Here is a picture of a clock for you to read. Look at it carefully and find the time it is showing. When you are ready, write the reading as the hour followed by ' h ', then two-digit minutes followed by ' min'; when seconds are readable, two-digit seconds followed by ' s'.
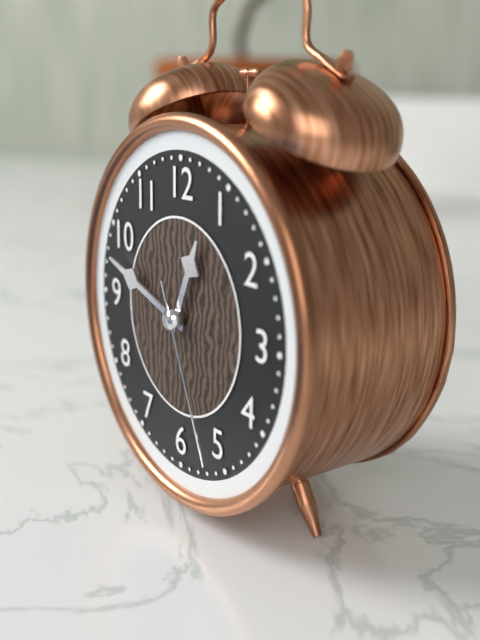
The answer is 12 h 48 min 26 s
